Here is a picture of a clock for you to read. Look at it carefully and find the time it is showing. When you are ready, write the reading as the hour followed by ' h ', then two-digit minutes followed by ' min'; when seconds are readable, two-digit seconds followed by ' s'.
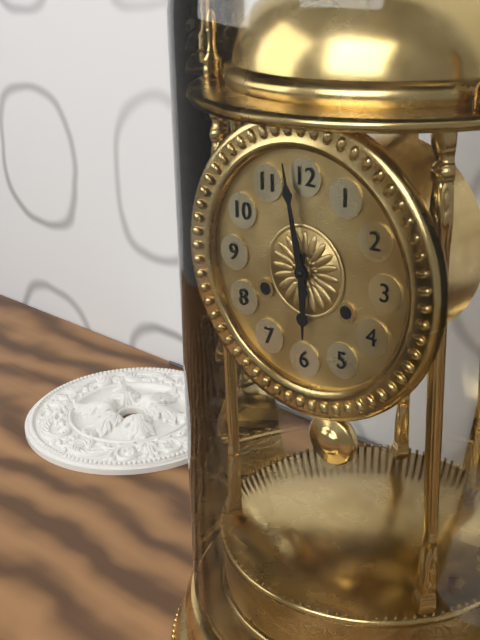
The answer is 5 h 58 min
